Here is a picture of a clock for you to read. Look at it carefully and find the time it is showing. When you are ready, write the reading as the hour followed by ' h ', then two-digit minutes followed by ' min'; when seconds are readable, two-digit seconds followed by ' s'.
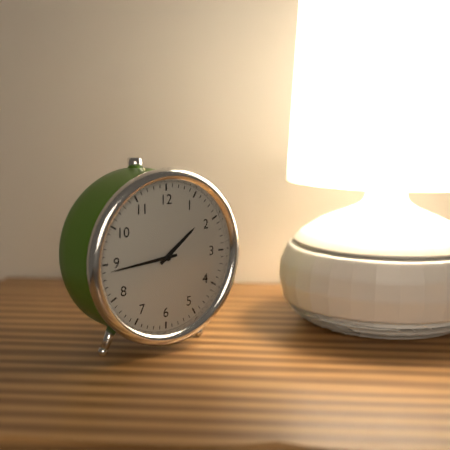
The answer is 1 h 44 min
